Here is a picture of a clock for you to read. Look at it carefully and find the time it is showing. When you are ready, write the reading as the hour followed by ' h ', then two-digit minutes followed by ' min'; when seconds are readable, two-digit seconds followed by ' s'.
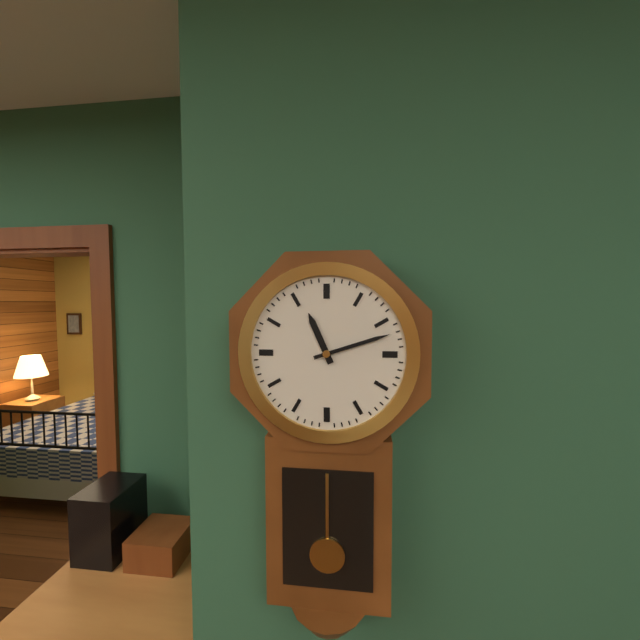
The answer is 11 h 12 min
